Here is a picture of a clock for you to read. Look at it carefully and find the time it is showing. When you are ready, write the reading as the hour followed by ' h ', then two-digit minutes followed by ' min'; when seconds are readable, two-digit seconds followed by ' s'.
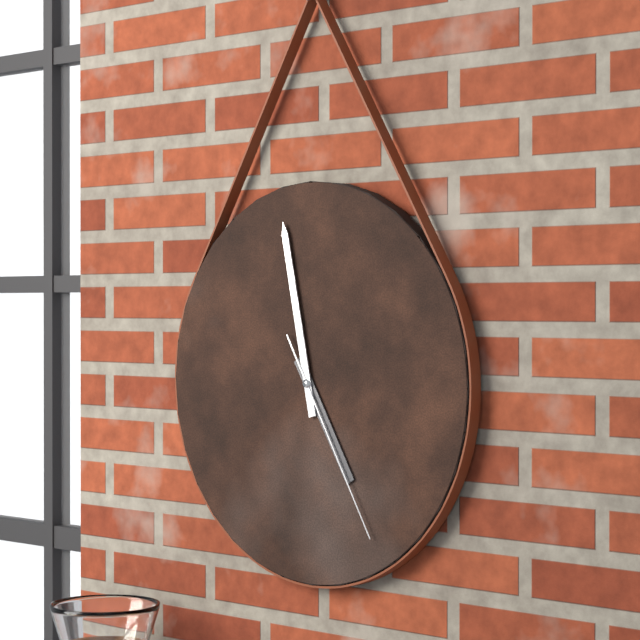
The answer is 4 h 58 min 25 s
